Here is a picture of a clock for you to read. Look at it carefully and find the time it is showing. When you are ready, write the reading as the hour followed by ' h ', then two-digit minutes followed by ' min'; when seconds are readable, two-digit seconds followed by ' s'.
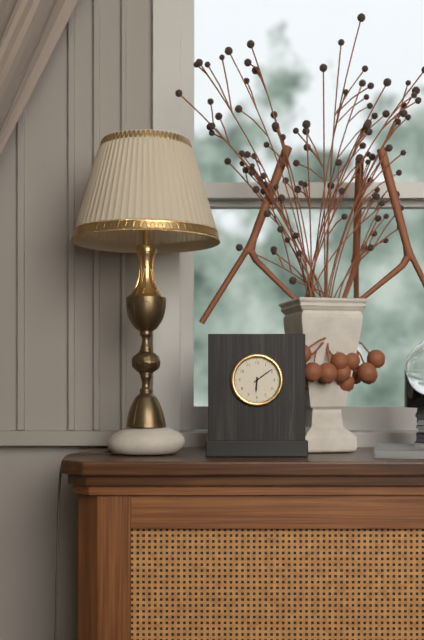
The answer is 6 h 09 min
